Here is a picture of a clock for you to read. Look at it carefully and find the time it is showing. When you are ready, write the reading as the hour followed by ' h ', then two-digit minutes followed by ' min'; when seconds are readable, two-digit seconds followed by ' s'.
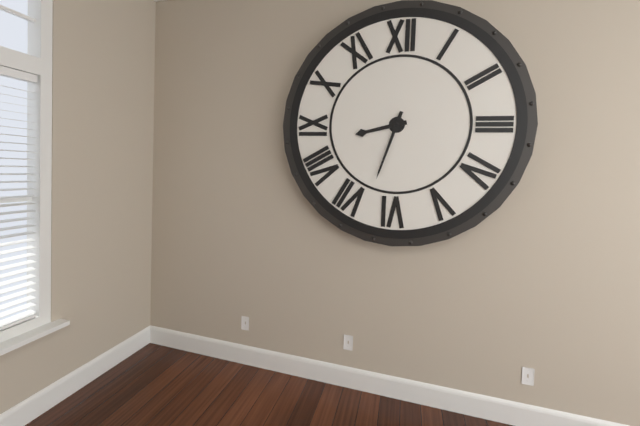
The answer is 8 h 33 min
